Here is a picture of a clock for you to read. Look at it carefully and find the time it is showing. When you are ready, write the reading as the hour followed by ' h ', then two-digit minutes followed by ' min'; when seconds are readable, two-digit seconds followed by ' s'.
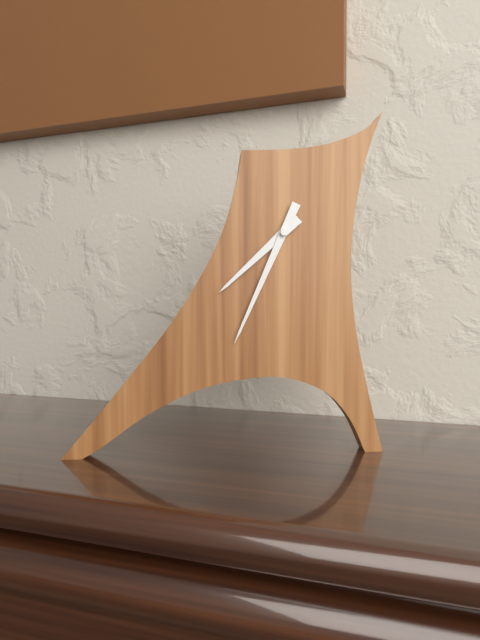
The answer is 7 h 34 min
